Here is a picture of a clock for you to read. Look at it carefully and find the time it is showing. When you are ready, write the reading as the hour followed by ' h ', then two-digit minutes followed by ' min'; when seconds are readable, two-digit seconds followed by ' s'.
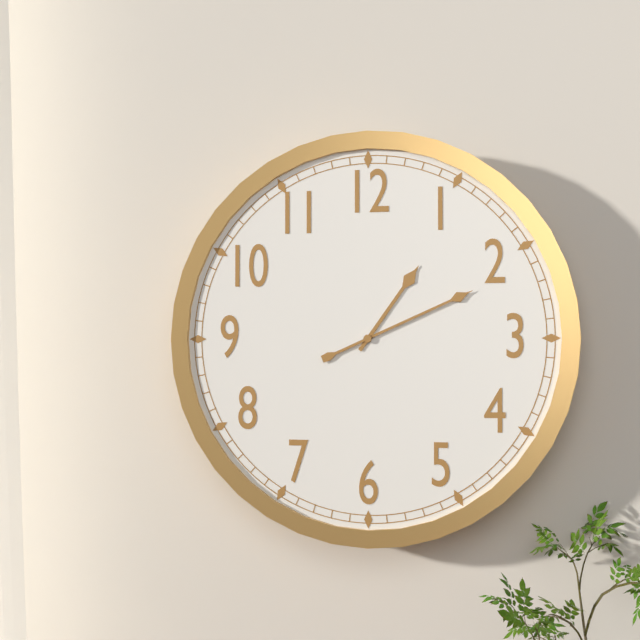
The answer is 1 h 11 min
